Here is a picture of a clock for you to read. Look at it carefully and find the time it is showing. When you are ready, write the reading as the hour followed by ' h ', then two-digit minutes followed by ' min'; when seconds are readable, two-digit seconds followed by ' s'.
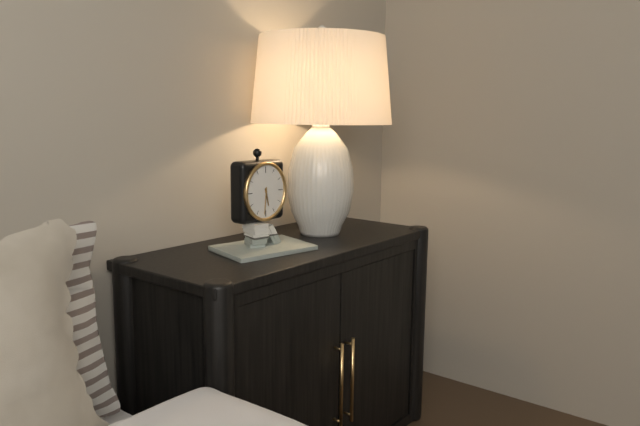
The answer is 5 h 31 min
